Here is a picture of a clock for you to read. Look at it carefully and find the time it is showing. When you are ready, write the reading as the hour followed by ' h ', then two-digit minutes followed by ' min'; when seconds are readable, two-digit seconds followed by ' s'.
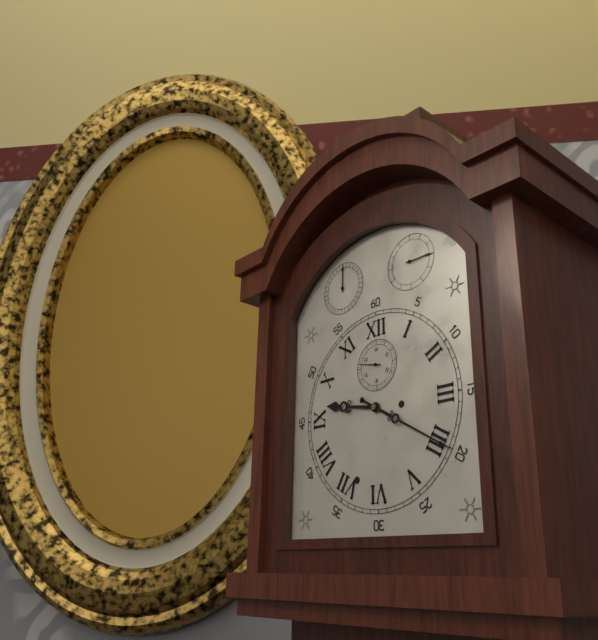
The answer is 9 h 20 min
